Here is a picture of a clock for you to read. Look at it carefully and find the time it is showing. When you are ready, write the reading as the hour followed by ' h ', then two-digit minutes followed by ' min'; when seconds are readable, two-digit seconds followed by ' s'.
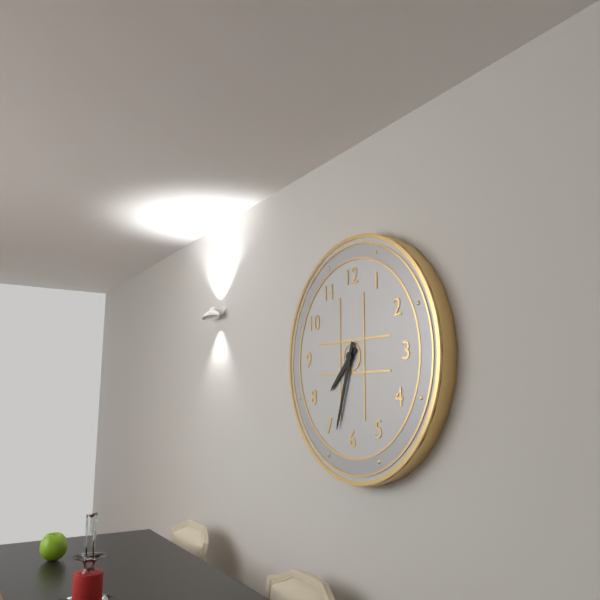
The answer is 7 h 33 min
